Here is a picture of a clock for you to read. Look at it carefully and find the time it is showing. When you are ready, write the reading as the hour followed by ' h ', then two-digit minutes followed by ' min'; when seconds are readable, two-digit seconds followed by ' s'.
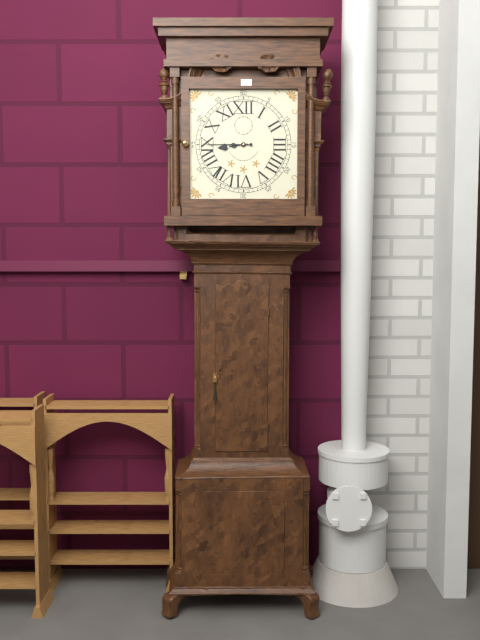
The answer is 8 h 45 min
